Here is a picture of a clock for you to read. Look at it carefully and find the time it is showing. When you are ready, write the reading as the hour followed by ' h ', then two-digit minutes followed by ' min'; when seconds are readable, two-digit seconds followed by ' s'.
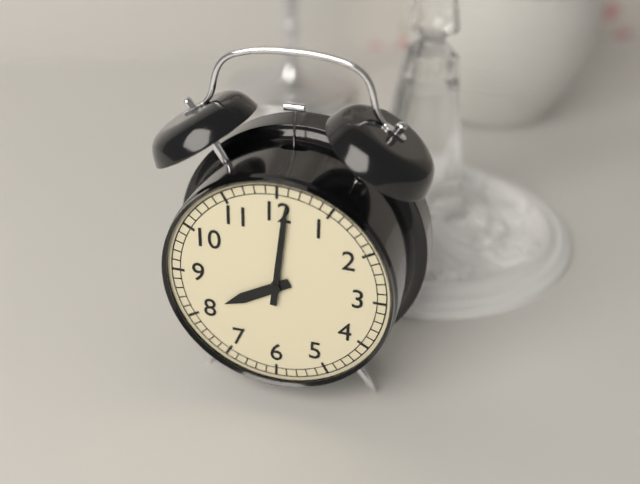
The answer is 8 h 01 min
